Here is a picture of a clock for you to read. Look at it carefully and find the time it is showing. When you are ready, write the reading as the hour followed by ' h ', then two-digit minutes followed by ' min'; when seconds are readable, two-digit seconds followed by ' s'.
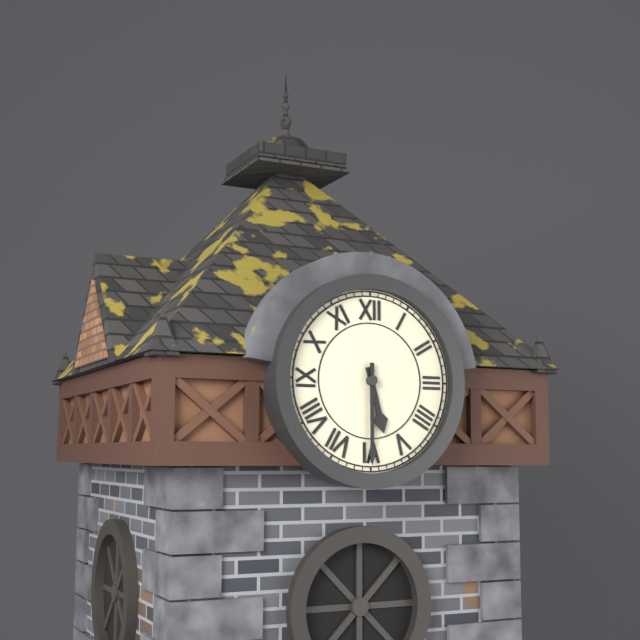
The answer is 5 h 30 min
